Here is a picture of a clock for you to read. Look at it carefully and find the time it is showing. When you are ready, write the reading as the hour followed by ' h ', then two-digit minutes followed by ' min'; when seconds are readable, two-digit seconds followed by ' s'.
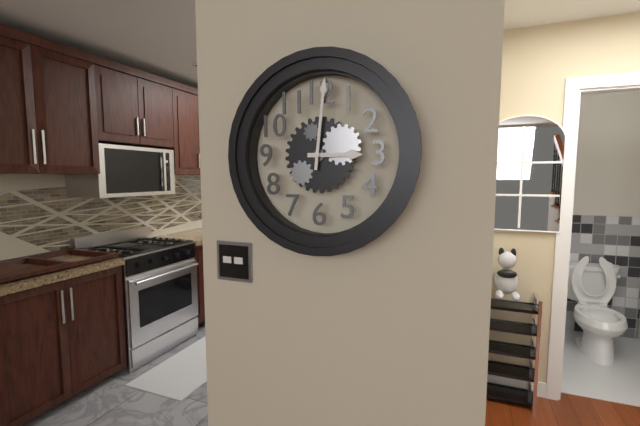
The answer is 3 h 01 min
